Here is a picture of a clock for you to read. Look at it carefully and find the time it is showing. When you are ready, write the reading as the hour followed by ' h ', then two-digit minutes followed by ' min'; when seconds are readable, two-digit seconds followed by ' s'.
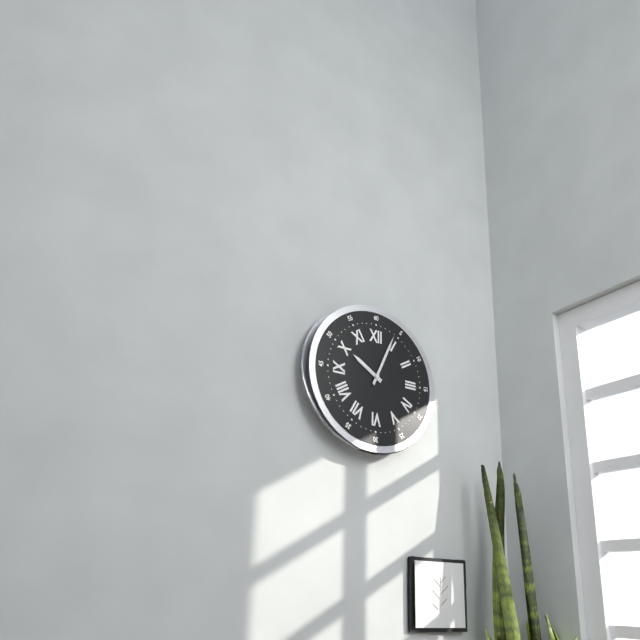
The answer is 10 h 04 min
